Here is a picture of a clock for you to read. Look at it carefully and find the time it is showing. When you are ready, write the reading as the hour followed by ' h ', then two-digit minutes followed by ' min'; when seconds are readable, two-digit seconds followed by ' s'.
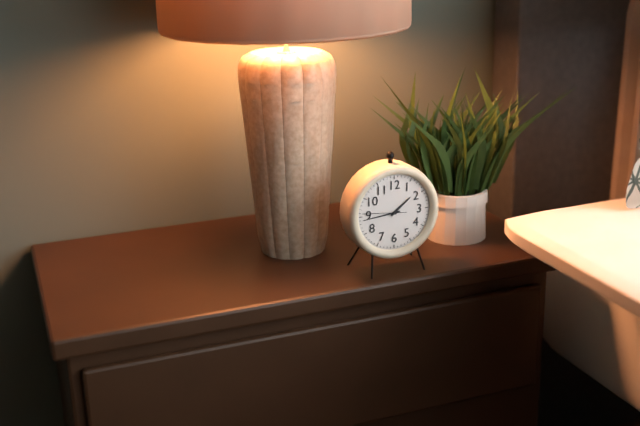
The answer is 1 h 44 min
